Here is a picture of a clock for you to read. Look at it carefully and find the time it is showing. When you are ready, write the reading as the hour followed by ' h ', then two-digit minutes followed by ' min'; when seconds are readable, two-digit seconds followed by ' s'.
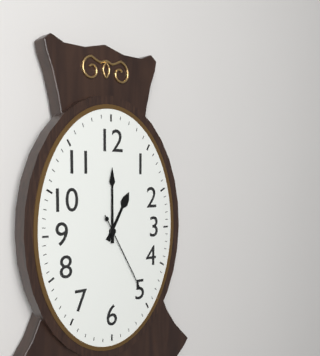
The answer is 1 h 00 min 25 s
